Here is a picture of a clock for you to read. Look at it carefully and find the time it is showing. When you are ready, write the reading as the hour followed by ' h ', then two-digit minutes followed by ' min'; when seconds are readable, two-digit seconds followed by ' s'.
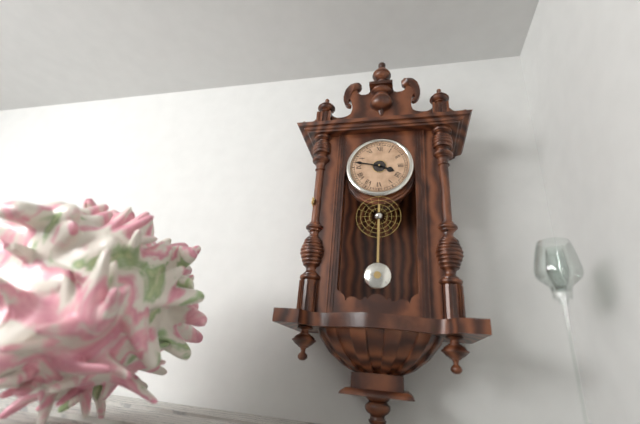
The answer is 3 h 47 min
